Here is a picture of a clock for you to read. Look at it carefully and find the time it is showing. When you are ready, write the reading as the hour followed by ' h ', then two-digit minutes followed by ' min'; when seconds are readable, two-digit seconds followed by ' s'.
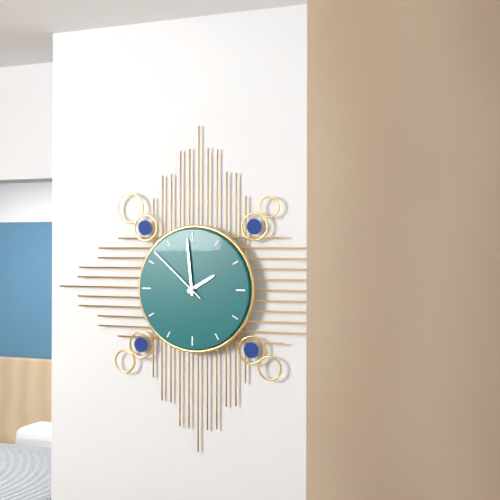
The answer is 1 h 59 min 52 s
